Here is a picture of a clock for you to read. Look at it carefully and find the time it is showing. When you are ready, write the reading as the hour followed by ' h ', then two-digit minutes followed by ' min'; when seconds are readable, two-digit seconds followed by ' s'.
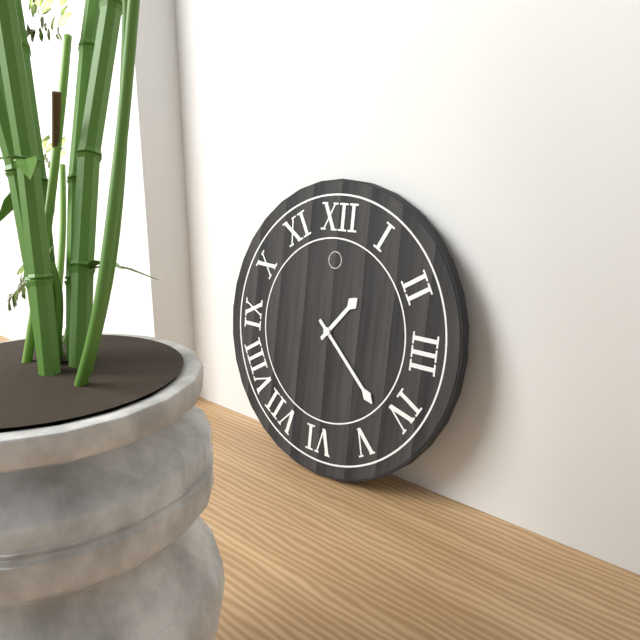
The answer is 1 h 22 min
